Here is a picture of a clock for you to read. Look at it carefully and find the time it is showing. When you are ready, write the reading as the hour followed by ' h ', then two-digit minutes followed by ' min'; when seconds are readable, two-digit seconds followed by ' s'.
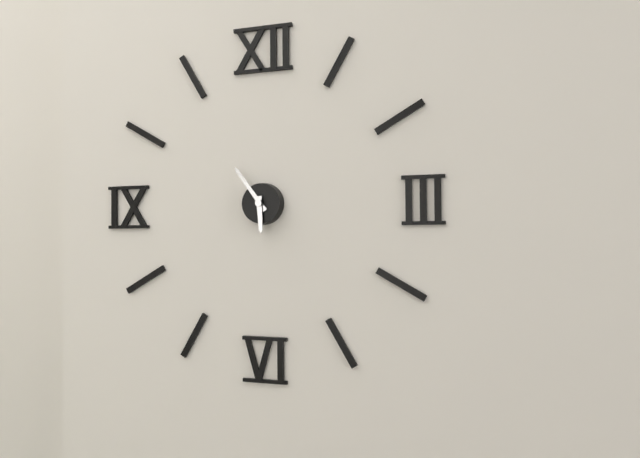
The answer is 5 h 54 min
